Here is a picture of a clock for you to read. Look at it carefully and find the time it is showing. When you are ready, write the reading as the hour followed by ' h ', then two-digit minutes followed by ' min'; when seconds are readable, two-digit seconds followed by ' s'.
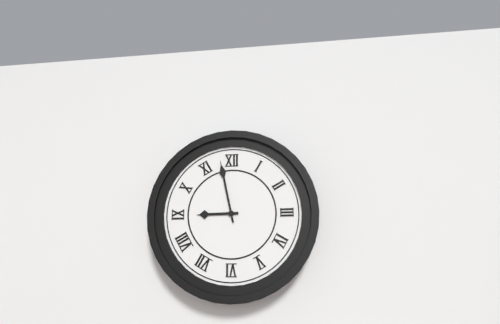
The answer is 8 h 58 min
